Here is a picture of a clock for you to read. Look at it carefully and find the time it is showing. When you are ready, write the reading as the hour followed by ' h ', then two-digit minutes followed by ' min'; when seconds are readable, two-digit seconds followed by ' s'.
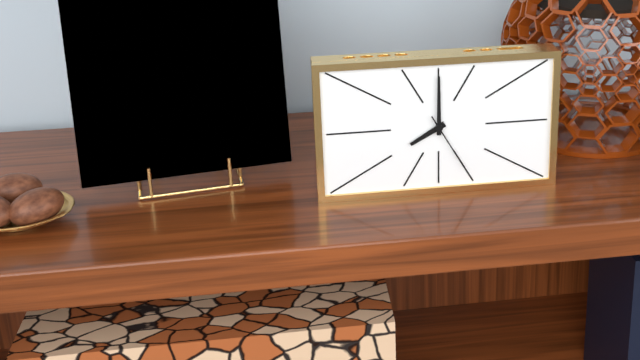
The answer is 8 h 00 min 25 s
